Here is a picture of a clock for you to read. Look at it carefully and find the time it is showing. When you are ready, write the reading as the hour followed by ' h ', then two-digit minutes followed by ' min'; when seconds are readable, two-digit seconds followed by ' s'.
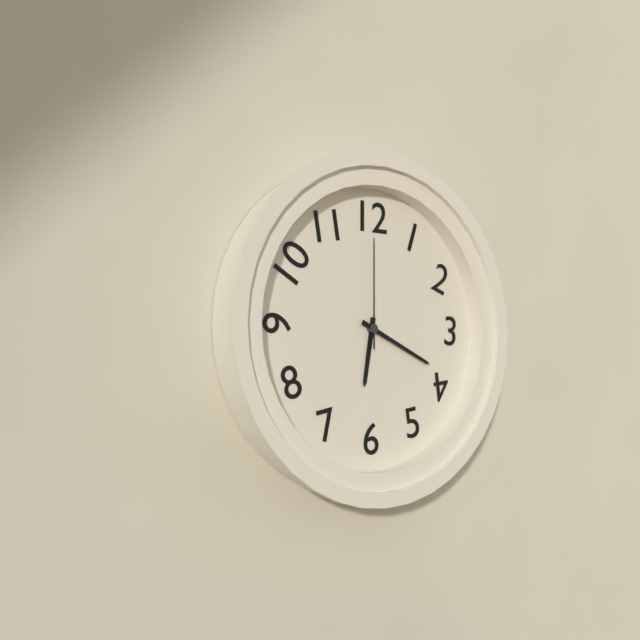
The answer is 6 h 19 min 00 s
